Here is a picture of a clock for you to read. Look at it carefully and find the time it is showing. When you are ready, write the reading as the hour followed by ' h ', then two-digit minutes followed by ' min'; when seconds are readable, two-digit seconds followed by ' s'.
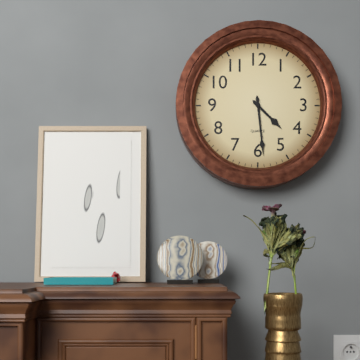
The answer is 4 h 29 min
